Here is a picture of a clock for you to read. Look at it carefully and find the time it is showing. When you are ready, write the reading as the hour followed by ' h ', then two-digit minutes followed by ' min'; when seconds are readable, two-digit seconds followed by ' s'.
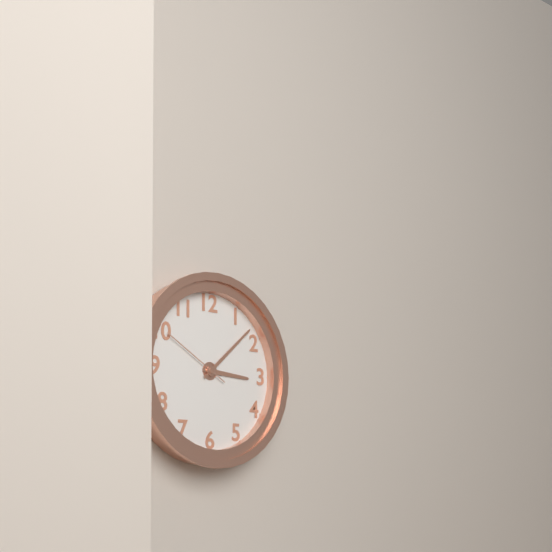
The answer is 3 h 08 min 50 s
